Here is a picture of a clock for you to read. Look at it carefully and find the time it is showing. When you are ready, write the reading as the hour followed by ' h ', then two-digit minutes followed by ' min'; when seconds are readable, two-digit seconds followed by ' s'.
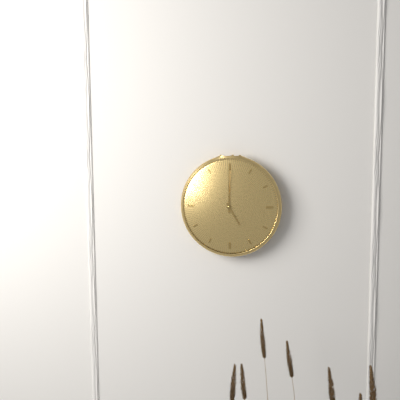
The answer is 5 h 00 min
